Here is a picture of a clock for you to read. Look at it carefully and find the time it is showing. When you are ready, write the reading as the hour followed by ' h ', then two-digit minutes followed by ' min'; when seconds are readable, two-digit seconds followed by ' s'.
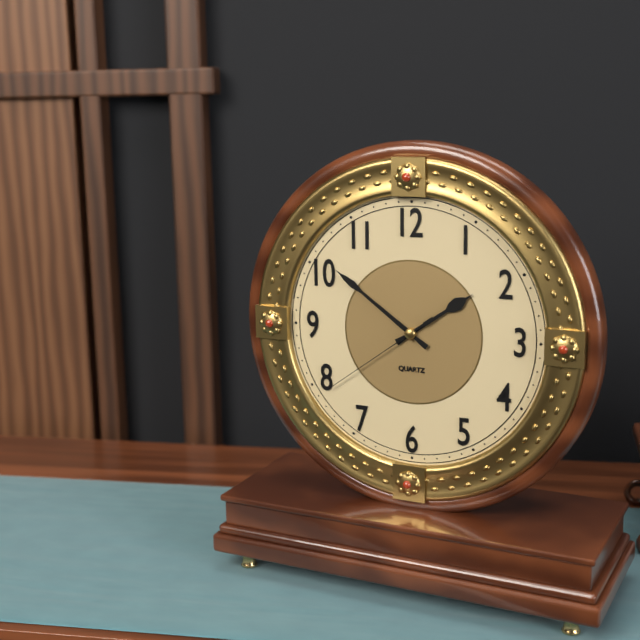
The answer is 1 h 51 min 39 s
